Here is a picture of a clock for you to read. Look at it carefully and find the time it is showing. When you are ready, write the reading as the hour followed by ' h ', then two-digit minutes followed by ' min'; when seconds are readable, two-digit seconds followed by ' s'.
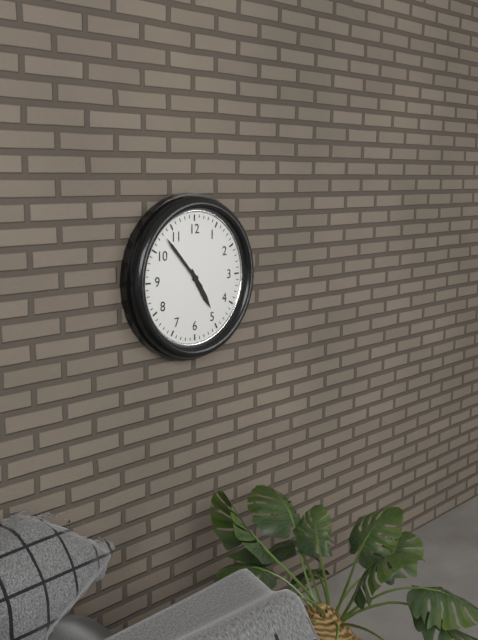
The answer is 4 h 53 min
